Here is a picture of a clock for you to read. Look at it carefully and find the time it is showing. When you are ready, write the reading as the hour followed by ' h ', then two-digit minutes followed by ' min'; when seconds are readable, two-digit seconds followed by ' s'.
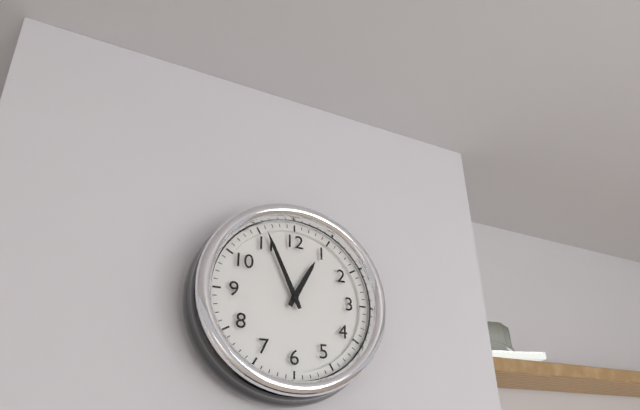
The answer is 12 h 56 min
